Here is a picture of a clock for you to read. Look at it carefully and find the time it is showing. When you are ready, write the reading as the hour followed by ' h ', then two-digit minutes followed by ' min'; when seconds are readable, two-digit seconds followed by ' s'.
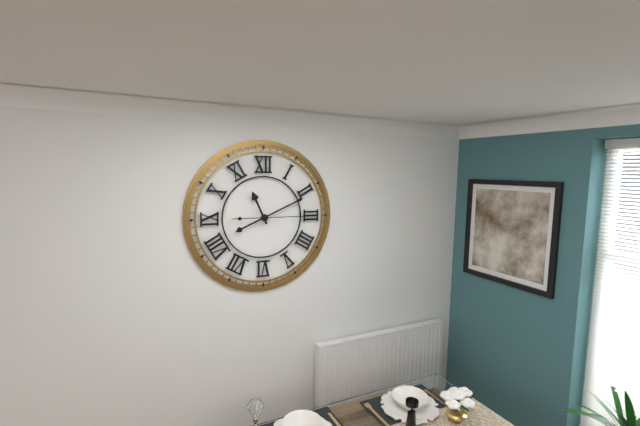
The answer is 11 h 11 min 15 s
